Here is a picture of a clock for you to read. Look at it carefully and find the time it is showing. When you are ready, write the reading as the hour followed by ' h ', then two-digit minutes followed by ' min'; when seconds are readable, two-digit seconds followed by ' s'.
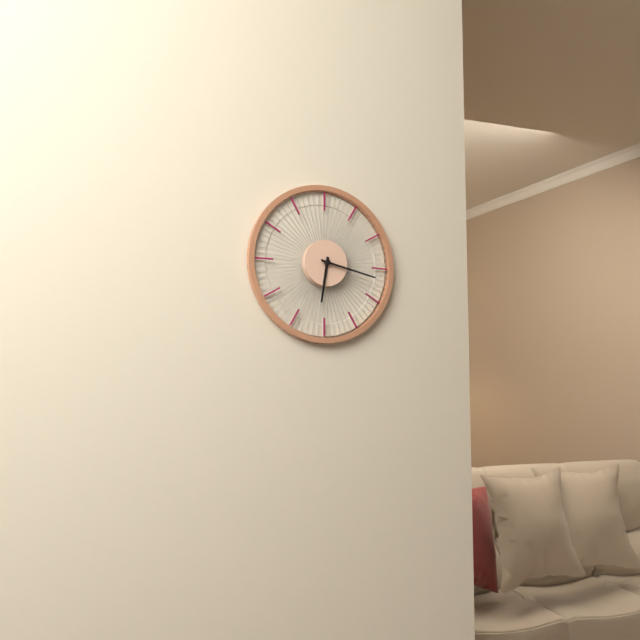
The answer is 6 h 17 min
